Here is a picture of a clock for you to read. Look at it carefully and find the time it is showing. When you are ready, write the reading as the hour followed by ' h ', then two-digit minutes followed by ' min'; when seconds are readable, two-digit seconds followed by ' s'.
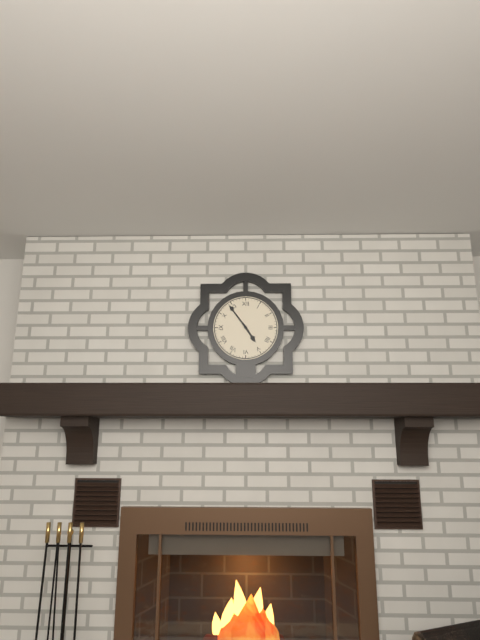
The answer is 4 h 54 min
